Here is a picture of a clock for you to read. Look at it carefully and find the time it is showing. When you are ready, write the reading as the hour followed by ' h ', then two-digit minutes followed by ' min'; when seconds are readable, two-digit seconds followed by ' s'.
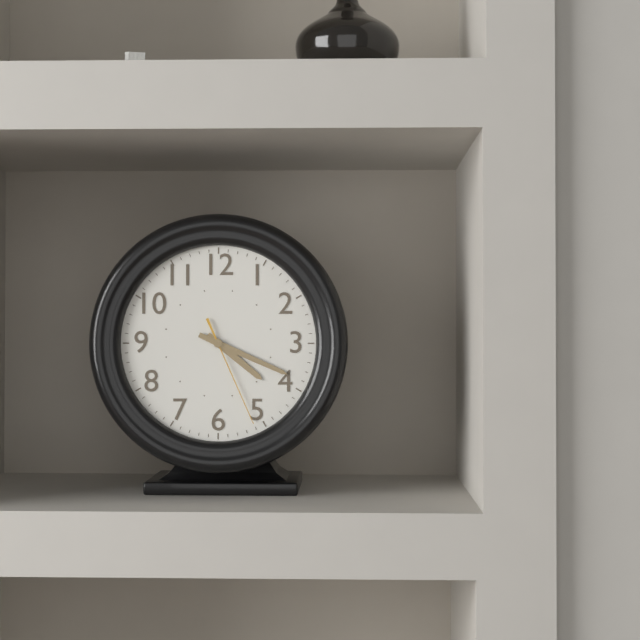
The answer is 4 h 19 min 26 s
